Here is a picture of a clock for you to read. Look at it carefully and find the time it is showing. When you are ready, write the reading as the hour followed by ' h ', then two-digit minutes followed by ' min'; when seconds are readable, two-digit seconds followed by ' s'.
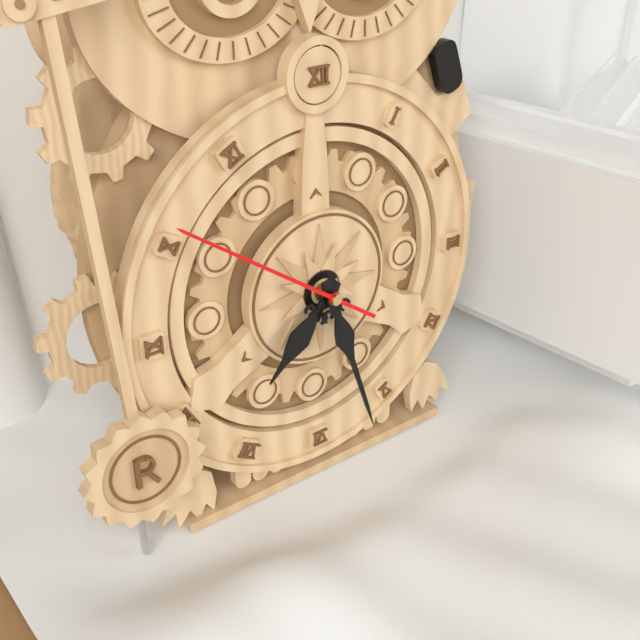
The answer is 7 h 27 min 51 s
